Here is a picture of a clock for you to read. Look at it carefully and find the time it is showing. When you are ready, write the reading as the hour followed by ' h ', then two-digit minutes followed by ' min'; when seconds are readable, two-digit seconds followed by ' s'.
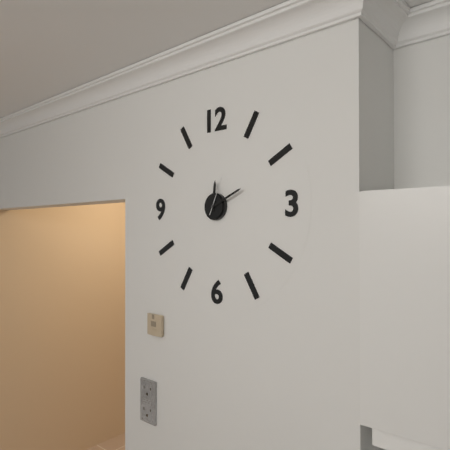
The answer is 12 h 11 min
